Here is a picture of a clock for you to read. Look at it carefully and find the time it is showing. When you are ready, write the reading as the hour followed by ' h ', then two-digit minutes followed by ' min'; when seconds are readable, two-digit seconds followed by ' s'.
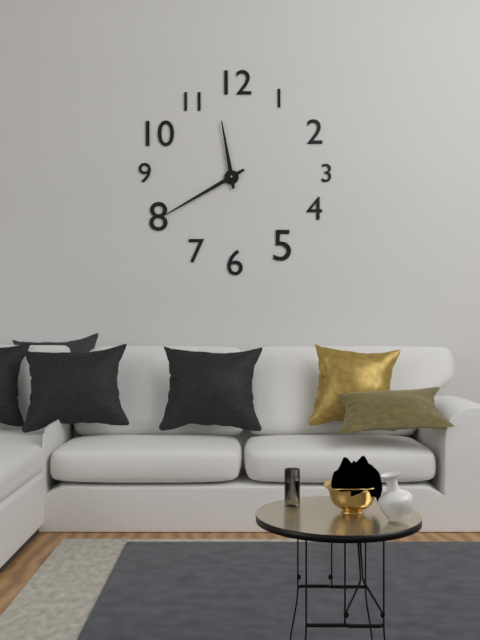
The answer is 11 h 40 min
